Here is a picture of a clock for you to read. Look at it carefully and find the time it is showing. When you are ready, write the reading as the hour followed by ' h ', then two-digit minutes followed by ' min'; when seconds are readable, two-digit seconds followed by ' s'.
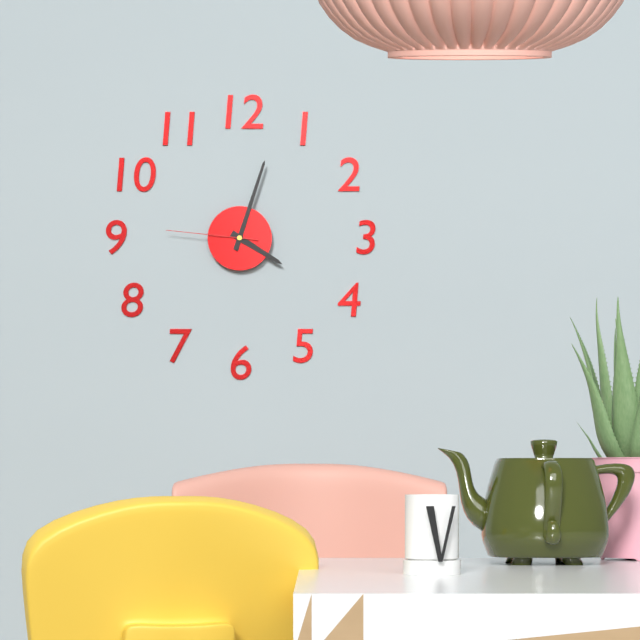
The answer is 4 h 03 min 46 s
